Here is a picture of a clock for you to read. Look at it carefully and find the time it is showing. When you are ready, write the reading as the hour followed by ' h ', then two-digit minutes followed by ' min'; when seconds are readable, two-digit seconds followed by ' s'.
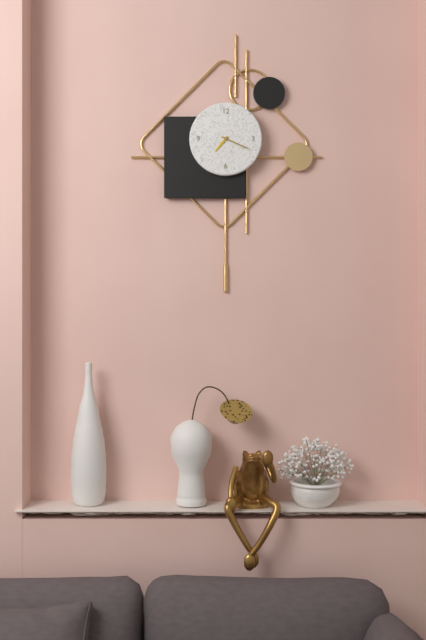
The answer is 7 h 19 min
